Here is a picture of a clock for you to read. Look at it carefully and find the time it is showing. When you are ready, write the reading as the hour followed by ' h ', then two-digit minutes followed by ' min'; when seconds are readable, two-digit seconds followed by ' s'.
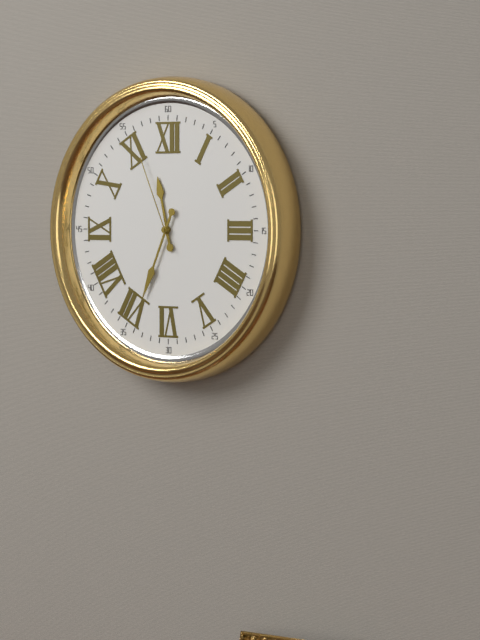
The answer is 11 h 34 min 56 s
